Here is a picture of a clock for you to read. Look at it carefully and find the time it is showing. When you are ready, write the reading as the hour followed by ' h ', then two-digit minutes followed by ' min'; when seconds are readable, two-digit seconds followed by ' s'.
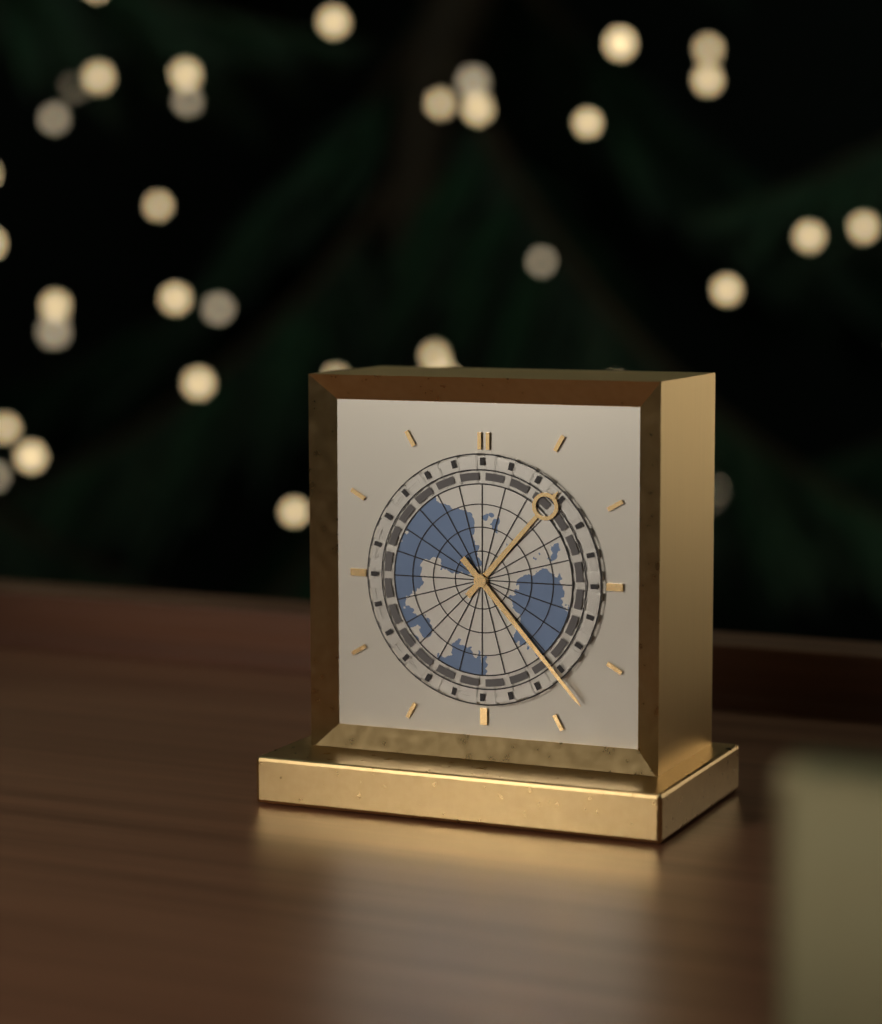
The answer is 1 h 23 min
